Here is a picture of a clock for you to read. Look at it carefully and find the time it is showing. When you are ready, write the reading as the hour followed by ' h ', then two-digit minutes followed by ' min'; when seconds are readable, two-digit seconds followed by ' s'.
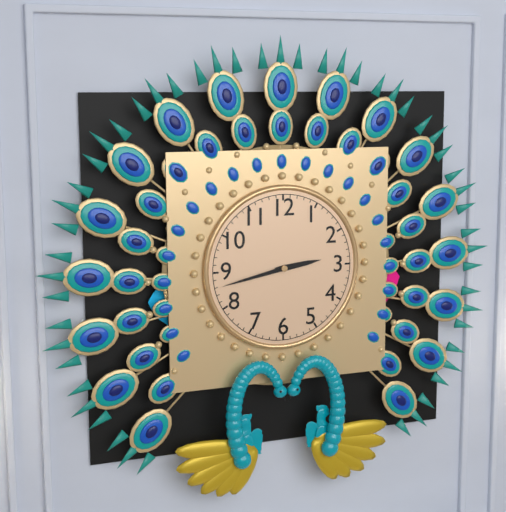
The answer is 2 h 43 min
